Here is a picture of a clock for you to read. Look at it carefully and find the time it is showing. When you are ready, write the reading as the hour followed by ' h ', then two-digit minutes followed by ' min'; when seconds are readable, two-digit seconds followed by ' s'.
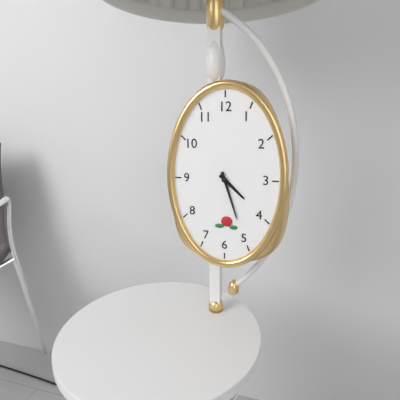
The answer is 4 h 27 min
